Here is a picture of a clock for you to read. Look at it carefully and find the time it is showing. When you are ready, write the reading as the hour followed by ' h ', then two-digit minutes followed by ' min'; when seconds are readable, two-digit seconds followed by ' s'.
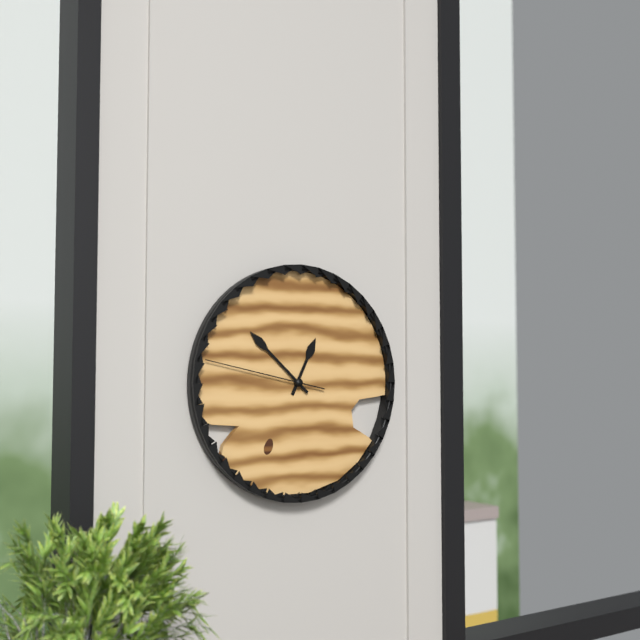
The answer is 12 h 52 min 47 s
